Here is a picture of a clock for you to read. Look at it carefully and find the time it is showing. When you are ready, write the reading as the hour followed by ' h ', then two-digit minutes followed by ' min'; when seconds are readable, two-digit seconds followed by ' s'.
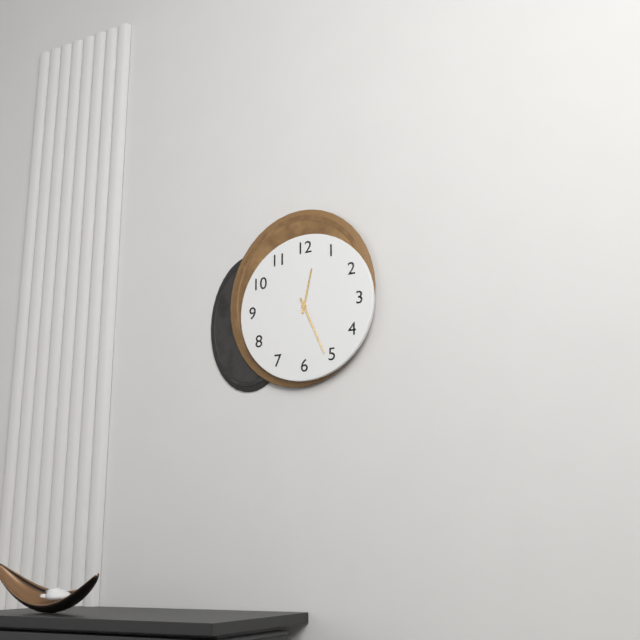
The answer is 12 h 26 min
